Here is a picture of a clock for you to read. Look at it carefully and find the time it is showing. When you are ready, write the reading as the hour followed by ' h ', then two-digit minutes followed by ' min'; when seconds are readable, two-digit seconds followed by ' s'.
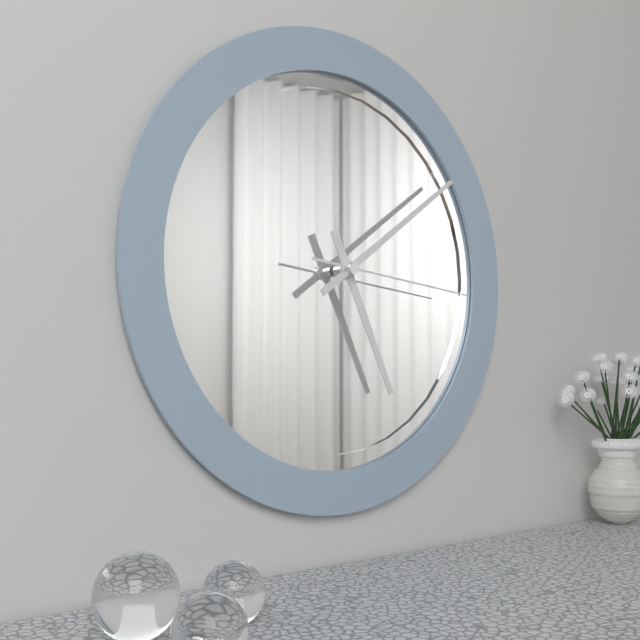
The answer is 5 h 09 min 16 s
